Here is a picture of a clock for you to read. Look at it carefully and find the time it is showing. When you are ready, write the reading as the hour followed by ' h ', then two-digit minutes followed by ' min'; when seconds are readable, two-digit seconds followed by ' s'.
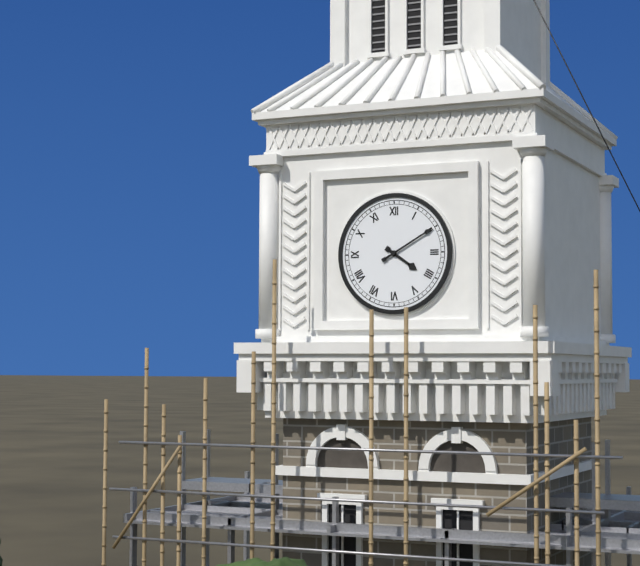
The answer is 4 h 10 min
